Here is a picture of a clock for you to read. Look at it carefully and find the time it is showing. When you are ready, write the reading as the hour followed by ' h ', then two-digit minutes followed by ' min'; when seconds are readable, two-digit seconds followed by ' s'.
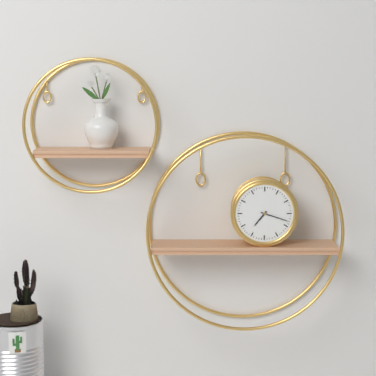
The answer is 7 h 18 min
